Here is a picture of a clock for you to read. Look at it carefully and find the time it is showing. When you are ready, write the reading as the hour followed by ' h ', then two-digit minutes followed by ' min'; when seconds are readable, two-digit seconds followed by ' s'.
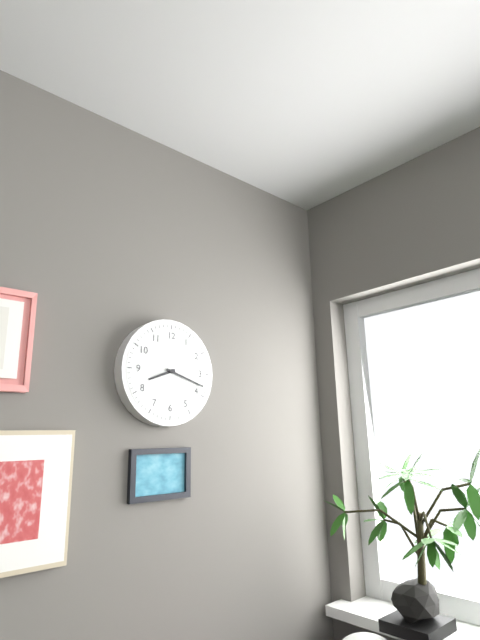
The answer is 8 h 18 min
